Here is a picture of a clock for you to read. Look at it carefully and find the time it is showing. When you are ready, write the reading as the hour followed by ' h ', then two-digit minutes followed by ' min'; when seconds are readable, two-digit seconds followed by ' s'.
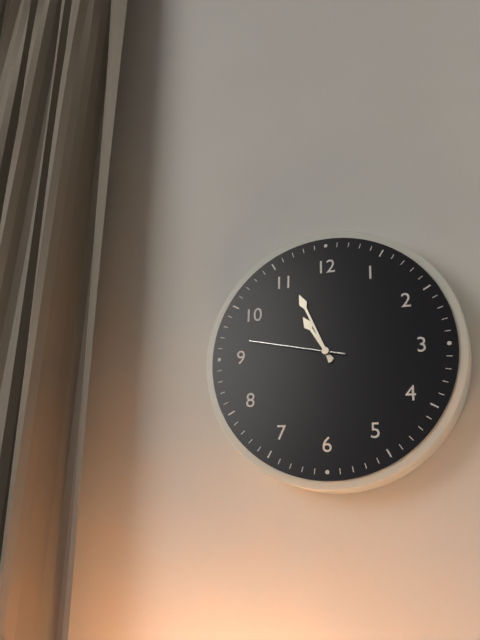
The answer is 10 h 56 min 47 s
